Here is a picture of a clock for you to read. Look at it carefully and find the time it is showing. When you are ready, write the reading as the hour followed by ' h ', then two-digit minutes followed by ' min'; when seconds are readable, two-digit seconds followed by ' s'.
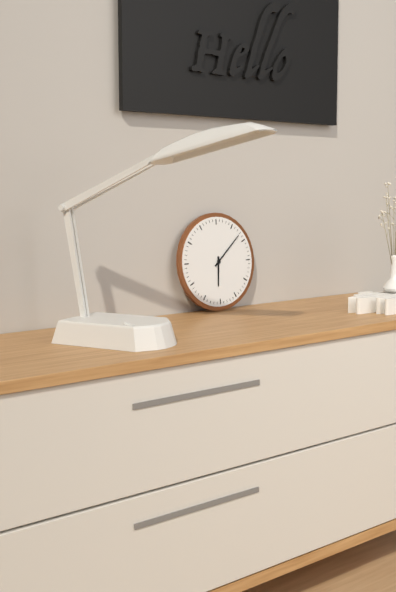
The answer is 6 h 08 min
